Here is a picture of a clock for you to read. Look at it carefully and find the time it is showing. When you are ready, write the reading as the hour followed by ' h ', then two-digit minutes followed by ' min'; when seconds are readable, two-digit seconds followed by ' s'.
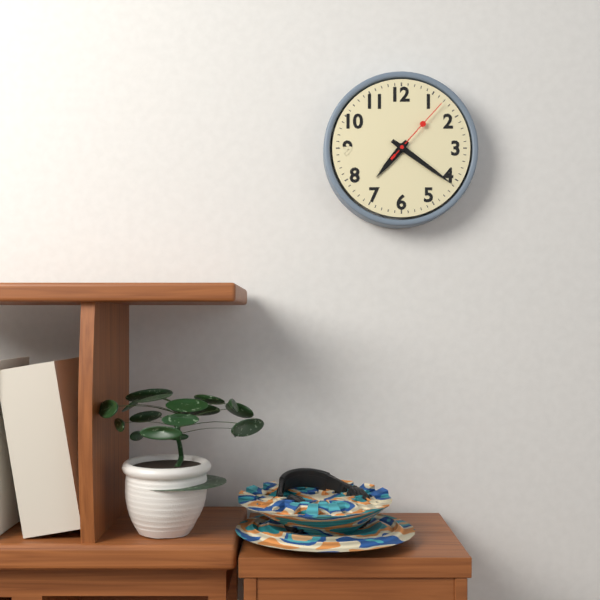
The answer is 7 h 21 min 07 s
